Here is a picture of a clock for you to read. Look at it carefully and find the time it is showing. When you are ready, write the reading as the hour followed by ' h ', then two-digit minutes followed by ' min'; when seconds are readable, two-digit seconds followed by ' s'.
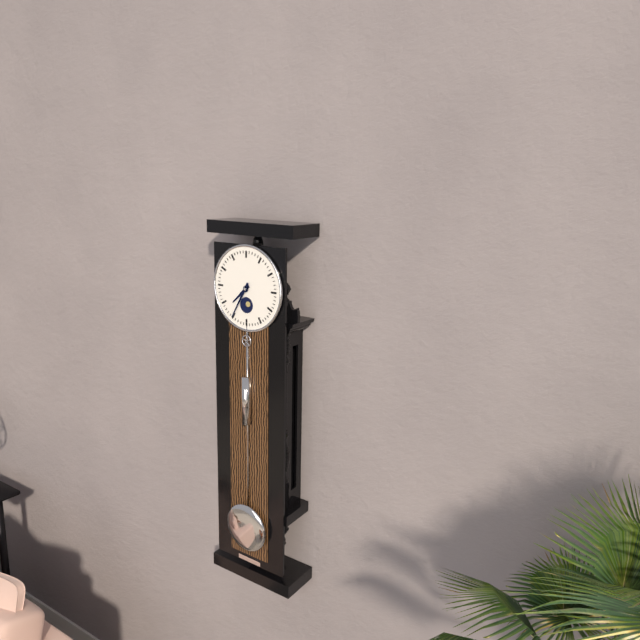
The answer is 7 h 35 min
